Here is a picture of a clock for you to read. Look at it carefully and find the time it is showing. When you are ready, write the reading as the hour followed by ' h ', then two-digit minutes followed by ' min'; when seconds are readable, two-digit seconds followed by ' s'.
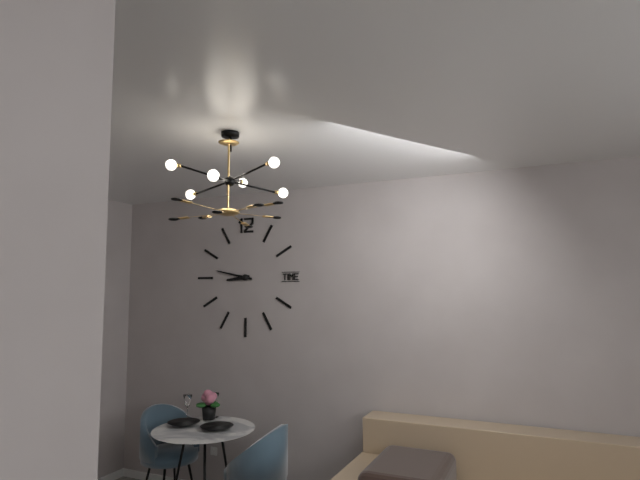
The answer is 8 h 47 min
